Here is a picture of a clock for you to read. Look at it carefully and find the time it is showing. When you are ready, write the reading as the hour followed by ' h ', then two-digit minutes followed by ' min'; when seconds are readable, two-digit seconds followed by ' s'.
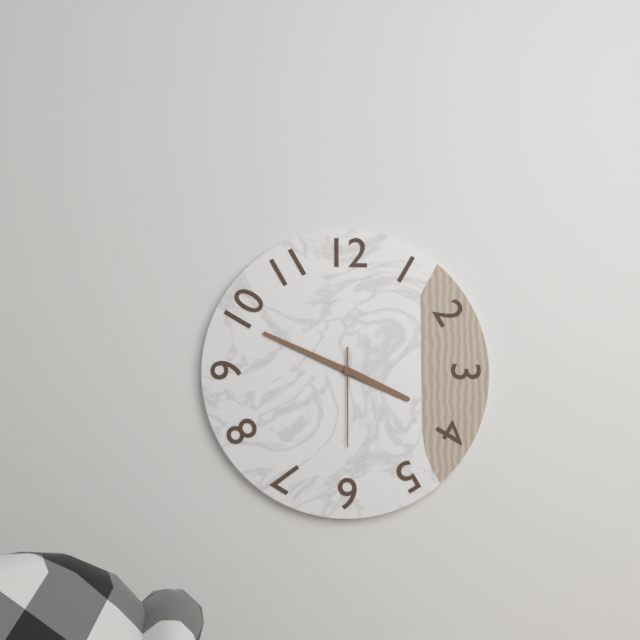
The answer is 3 h 49 min 30 s
